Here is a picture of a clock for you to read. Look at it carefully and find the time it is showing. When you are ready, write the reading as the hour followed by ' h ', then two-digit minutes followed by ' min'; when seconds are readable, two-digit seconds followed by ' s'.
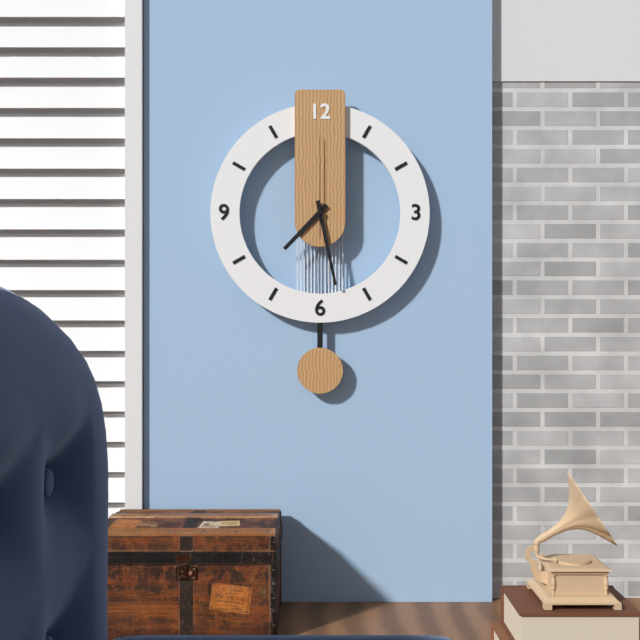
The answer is 7 h 28 min 00 s
